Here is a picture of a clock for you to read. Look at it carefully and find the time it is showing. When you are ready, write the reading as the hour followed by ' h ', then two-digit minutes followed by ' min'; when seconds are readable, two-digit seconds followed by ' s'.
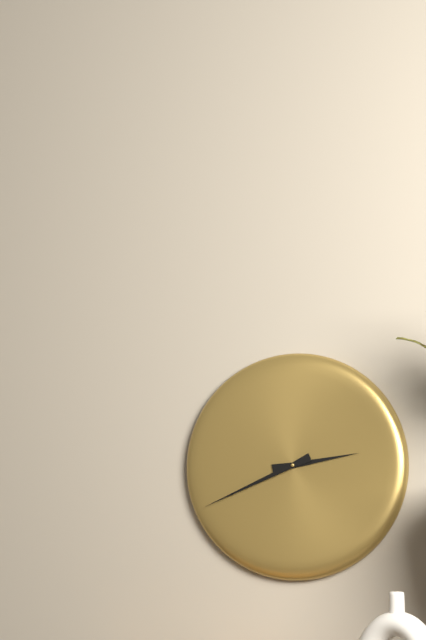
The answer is 2 h 41 min
